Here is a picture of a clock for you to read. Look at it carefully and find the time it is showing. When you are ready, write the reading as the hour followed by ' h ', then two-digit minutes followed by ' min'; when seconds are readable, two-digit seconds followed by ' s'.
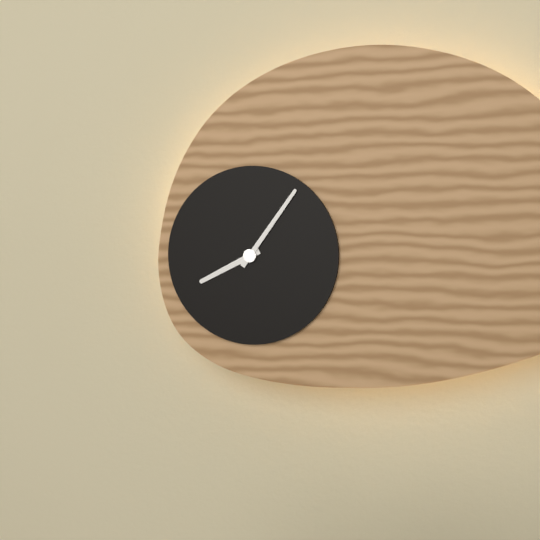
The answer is 8 h 06 min
